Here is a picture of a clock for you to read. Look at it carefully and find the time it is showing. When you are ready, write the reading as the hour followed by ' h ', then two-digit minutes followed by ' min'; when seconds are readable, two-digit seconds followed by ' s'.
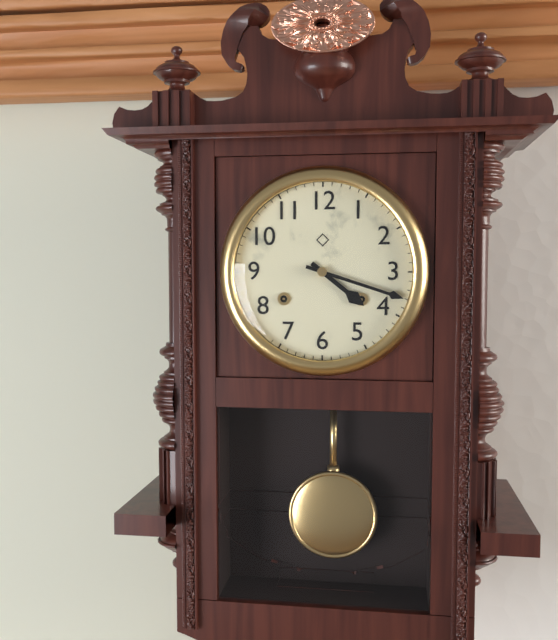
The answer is 4 h 18 min
